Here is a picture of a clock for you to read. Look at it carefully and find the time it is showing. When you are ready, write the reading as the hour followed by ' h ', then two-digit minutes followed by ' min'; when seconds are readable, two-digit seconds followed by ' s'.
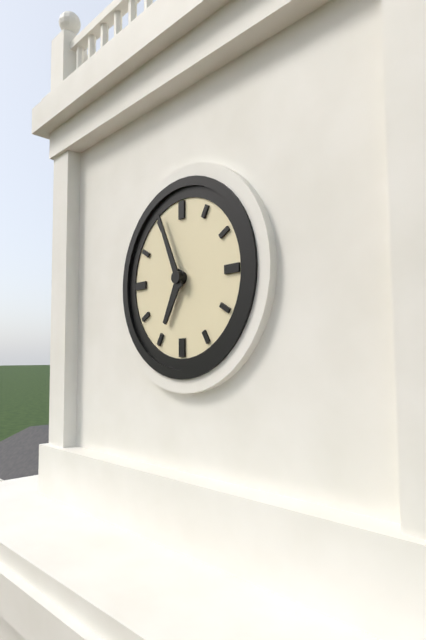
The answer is 6 h 56 min
